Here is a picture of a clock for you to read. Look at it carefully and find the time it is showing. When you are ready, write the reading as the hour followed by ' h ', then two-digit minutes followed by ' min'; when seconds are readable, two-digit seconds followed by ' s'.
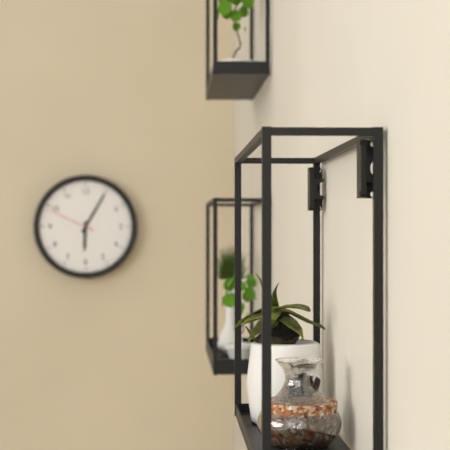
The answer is 6 h 05 min 49 s
